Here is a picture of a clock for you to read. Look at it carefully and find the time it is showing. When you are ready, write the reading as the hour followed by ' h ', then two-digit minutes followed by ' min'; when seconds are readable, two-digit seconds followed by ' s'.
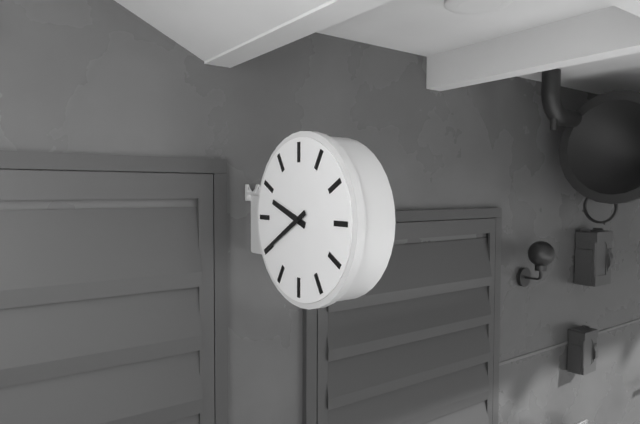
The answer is 9 h 40 min
